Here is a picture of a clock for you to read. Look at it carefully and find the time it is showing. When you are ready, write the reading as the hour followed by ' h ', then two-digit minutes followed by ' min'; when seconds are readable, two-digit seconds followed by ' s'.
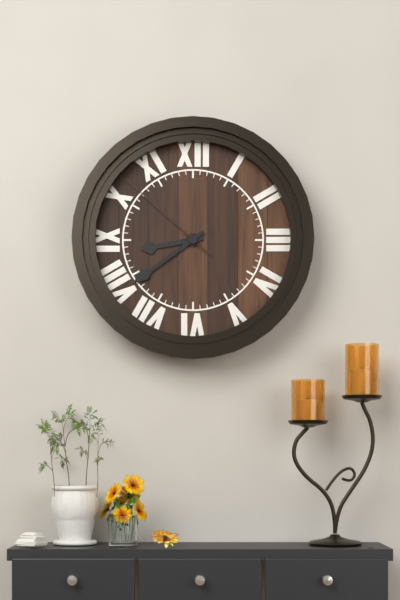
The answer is 8 h 39 min 52 s
